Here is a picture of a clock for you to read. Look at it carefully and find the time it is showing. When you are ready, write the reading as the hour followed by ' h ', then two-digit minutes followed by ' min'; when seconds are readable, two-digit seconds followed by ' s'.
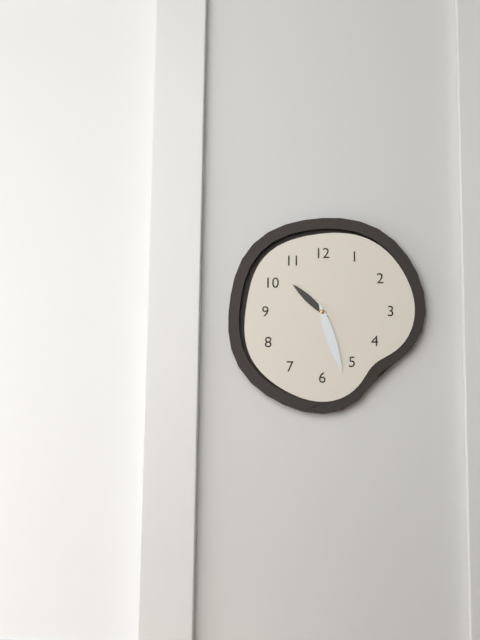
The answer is 10 h 27 min
